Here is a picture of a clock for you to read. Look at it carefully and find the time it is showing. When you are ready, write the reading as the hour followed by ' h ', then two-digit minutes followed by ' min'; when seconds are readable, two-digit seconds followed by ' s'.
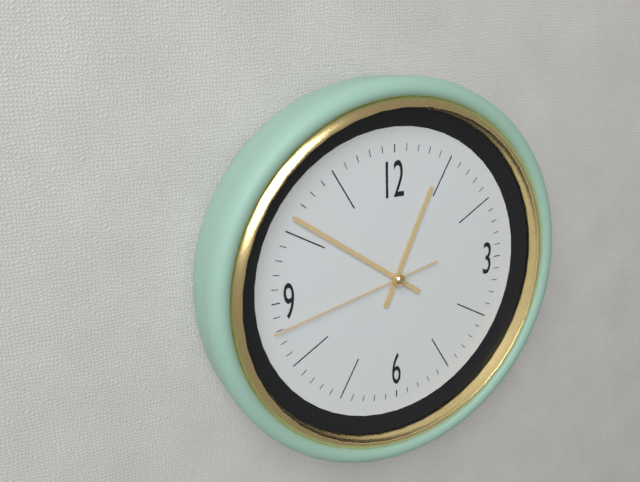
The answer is 12 h 51 min 43 s
